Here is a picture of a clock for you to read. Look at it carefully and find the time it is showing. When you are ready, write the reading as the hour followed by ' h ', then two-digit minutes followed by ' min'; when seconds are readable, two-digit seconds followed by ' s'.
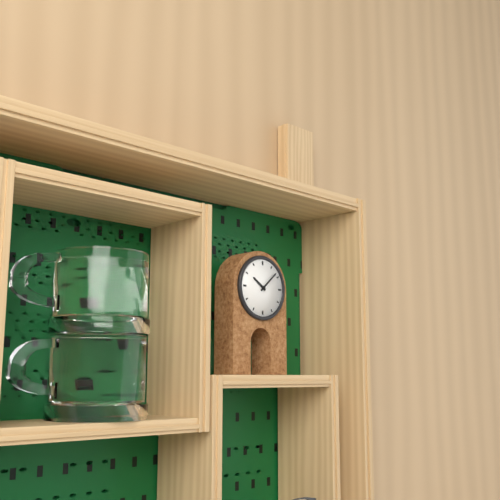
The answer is 10 h 08 min
